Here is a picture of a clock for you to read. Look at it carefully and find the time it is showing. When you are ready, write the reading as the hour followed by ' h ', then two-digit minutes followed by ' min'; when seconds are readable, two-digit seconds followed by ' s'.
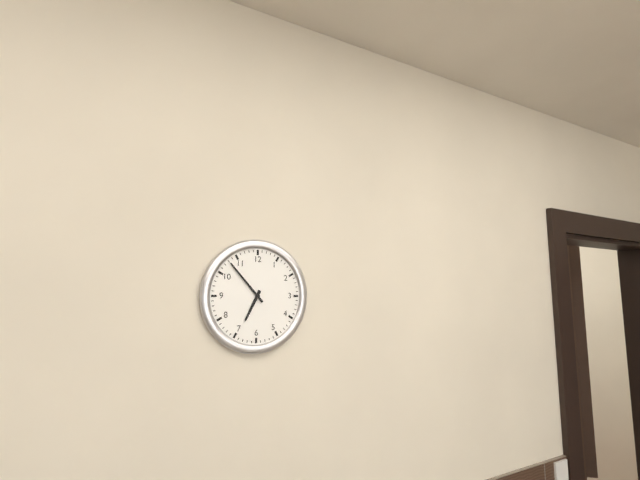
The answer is 6 h 53 min
